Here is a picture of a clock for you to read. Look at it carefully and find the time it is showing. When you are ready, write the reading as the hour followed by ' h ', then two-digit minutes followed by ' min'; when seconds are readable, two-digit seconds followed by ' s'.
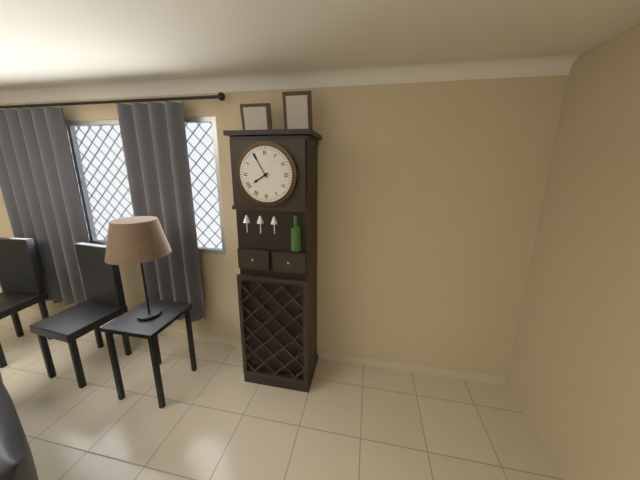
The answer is 7 h 55 min
